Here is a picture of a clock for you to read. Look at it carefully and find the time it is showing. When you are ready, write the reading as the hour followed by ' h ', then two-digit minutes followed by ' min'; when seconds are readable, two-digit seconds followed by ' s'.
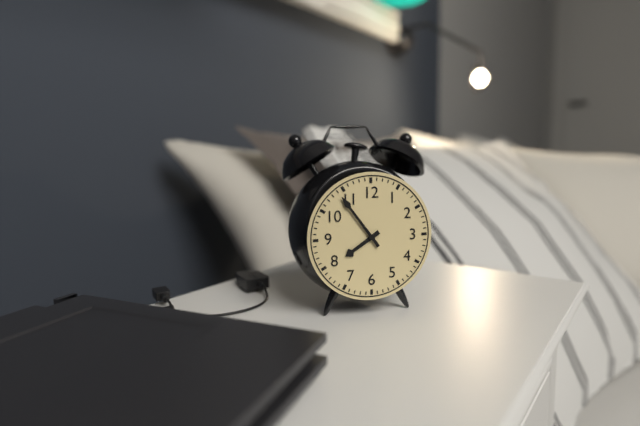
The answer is 7 h 54 min
